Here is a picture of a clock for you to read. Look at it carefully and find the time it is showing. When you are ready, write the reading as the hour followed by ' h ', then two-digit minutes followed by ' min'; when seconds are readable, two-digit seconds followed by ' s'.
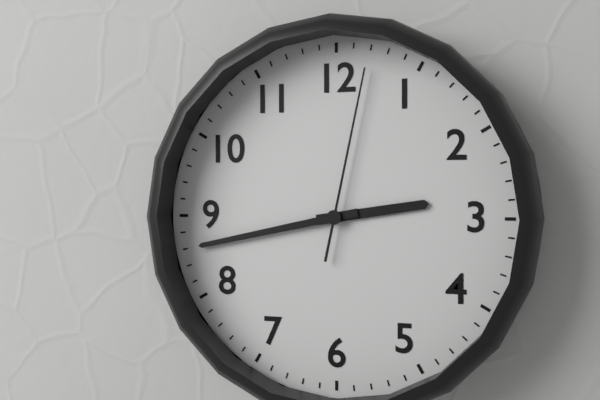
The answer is 2 h 43 min 02 s
